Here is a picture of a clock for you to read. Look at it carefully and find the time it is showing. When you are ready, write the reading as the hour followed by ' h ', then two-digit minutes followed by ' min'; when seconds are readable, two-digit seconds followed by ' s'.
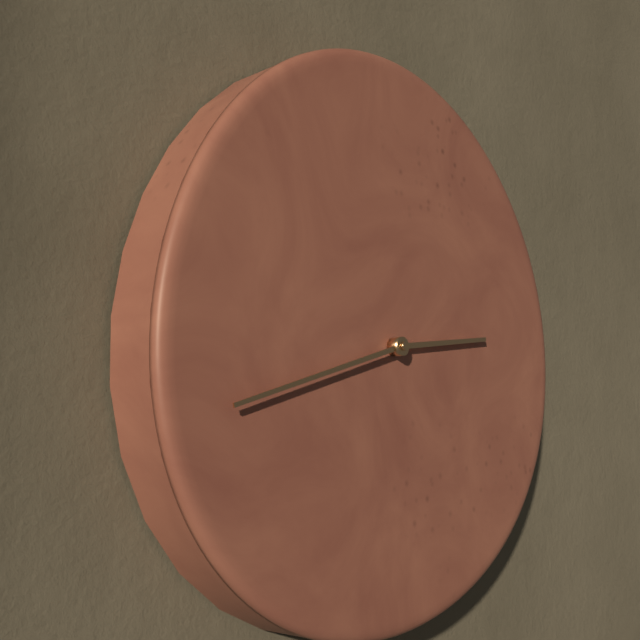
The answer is 2 h 42 min
